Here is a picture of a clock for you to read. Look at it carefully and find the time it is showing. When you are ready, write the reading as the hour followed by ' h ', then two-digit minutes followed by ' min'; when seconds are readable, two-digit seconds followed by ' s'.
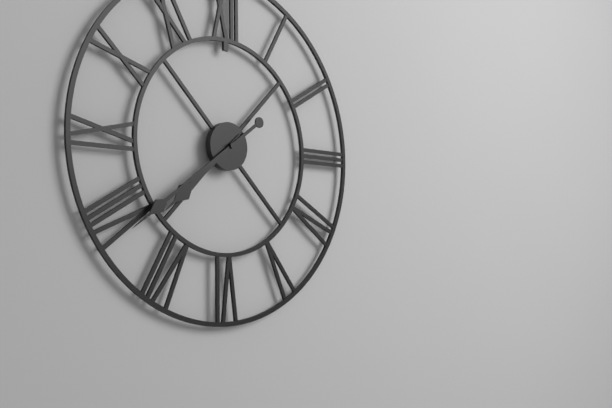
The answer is 7 h 39 min
